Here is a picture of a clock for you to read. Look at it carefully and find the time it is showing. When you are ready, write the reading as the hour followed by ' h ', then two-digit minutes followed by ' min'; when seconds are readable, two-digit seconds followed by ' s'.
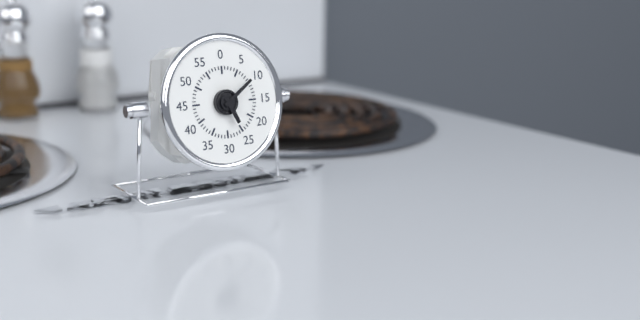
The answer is 5 h 09 min
